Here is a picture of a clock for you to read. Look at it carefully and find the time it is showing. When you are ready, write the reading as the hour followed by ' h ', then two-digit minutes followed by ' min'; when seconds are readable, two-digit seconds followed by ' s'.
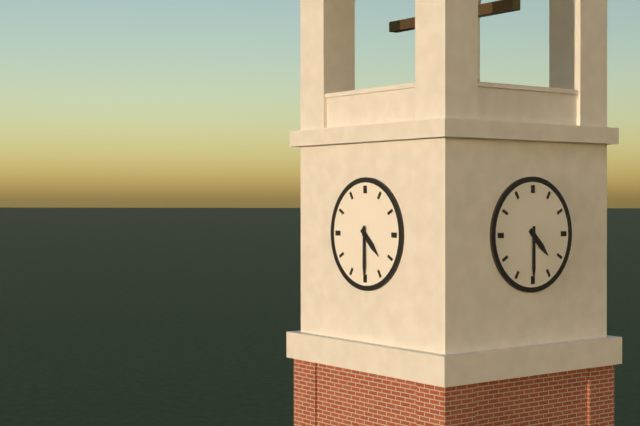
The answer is 4 h 30 min
